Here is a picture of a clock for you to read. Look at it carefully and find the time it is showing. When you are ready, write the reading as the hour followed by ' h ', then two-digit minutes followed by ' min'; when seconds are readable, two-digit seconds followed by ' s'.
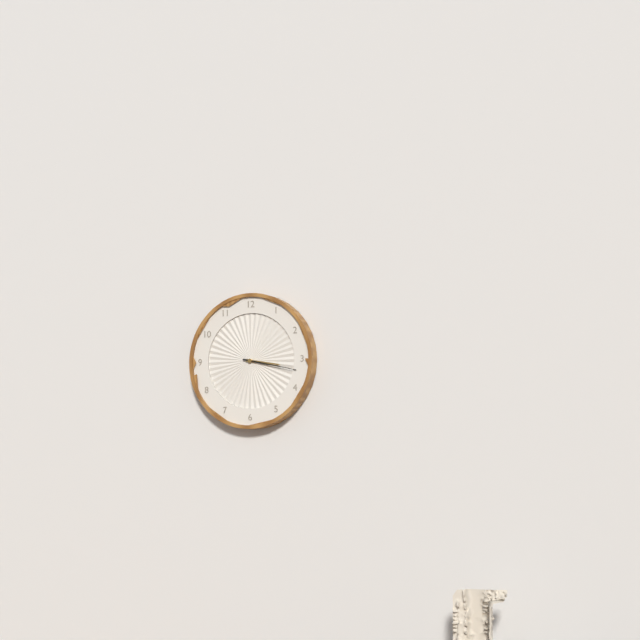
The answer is 3 h 17 min
